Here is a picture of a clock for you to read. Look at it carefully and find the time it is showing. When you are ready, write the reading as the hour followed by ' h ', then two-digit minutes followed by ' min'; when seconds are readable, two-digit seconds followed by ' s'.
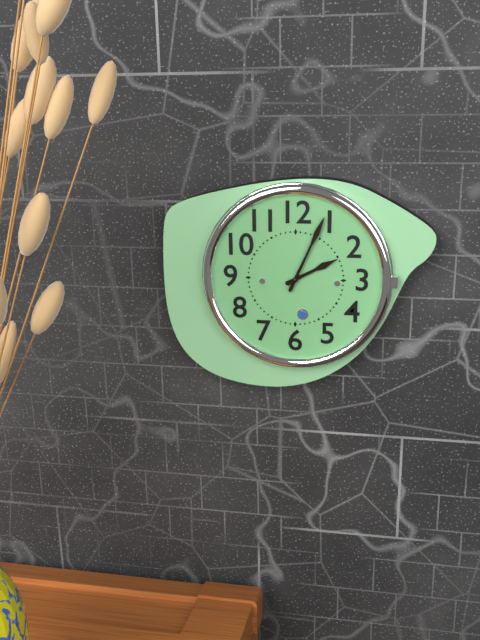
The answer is 2 h 04 min
